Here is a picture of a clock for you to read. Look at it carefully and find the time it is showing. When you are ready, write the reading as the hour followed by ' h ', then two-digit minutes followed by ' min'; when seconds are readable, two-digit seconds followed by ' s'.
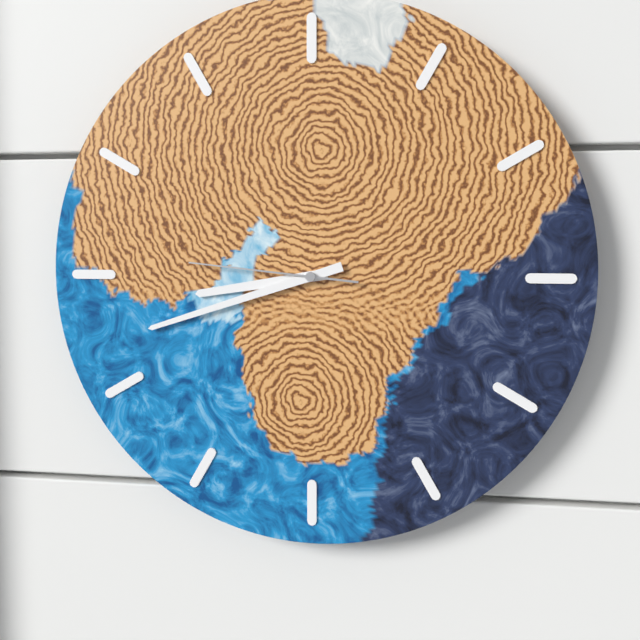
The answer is 8 h 42 min 46 s
